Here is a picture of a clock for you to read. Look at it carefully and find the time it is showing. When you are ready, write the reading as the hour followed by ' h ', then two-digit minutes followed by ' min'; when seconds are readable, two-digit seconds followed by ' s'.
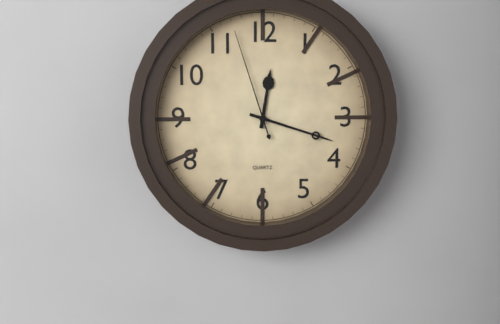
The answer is 12 h 18 min 57 s
